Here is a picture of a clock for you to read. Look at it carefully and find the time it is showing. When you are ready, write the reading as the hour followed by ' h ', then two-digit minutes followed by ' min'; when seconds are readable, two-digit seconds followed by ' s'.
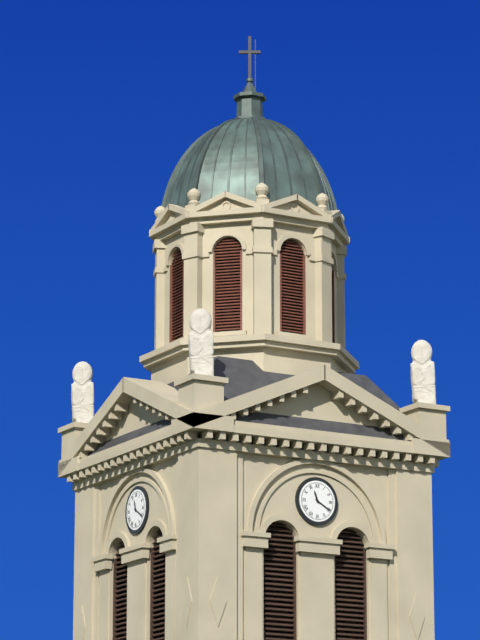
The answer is 11 h 20 min
